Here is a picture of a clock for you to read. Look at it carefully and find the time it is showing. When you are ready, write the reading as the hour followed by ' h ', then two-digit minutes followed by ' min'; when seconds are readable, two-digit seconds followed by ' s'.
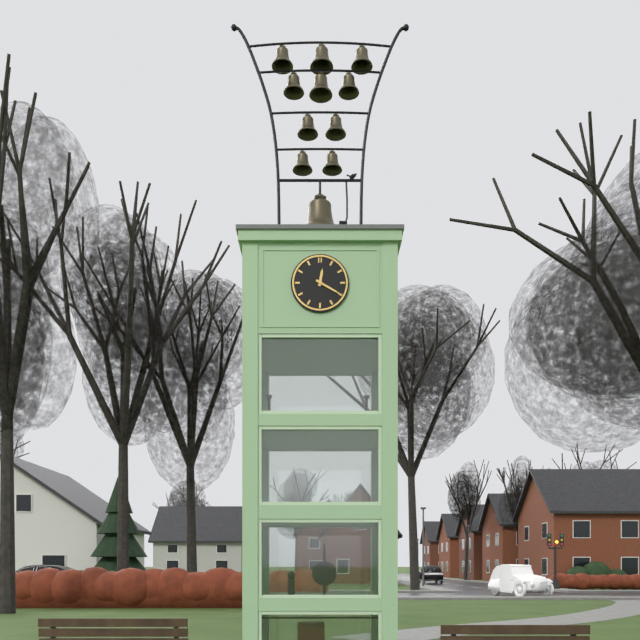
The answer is 12 h 20 min
